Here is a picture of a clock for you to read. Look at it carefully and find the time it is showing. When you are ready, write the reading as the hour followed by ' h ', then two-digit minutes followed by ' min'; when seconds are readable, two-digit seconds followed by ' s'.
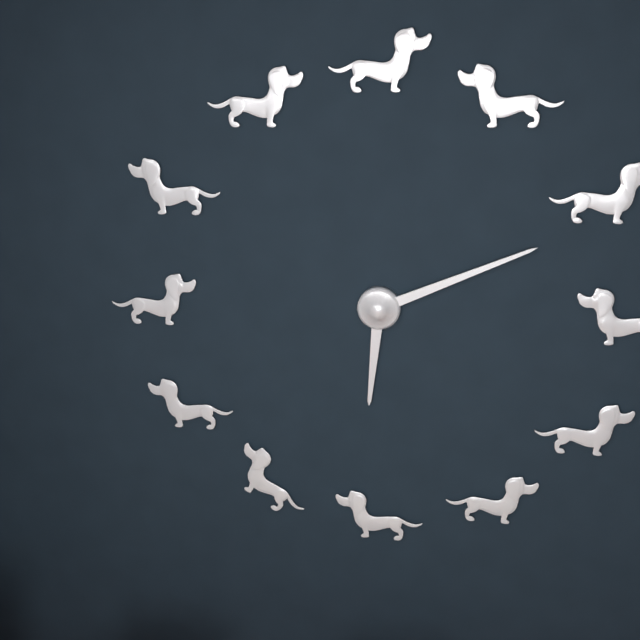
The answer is 6 h 11 min
